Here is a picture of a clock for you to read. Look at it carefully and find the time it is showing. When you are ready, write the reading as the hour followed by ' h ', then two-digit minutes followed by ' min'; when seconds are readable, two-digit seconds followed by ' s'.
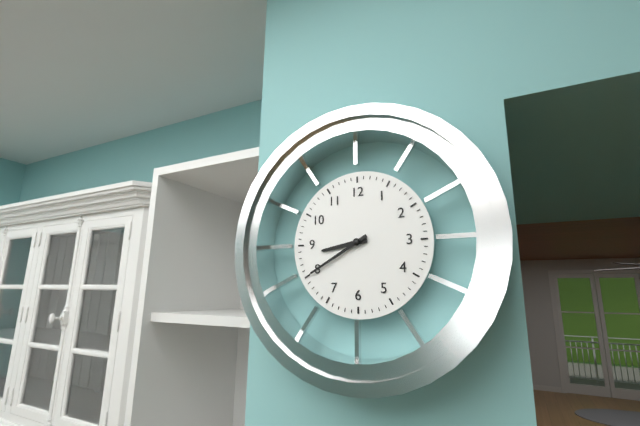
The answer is 8 h 40 min
